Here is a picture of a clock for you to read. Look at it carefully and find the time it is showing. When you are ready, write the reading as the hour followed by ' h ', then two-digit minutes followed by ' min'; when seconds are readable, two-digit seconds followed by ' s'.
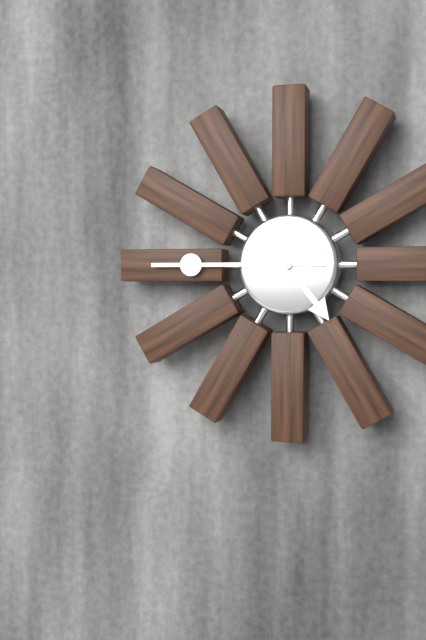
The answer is 4 h 45 min
